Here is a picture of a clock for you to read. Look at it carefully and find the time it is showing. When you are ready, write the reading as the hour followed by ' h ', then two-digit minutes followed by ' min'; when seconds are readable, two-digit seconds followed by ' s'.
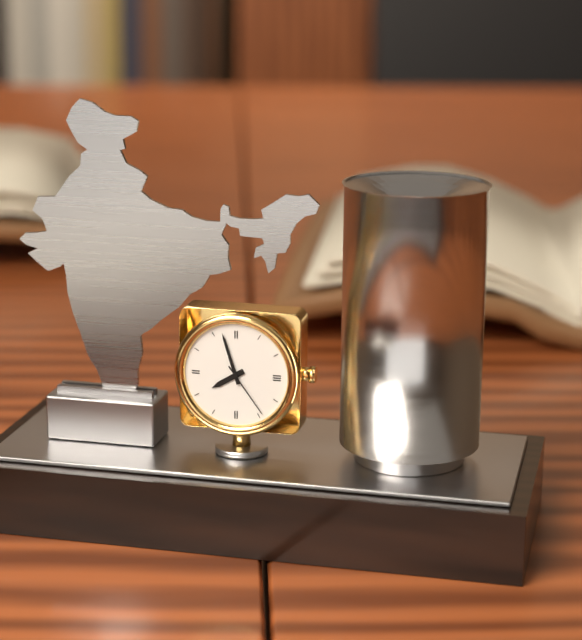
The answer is 7 h 57 min 24 s
